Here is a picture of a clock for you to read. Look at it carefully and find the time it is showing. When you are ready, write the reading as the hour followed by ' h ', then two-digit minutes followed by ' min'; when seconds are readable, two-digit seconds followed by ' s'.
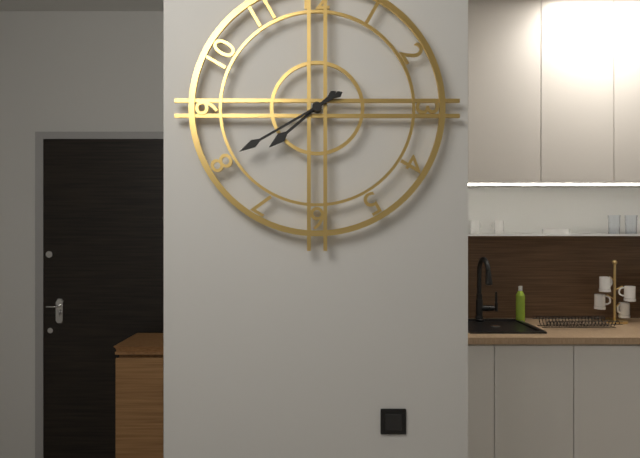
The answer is 7 h 40 min
